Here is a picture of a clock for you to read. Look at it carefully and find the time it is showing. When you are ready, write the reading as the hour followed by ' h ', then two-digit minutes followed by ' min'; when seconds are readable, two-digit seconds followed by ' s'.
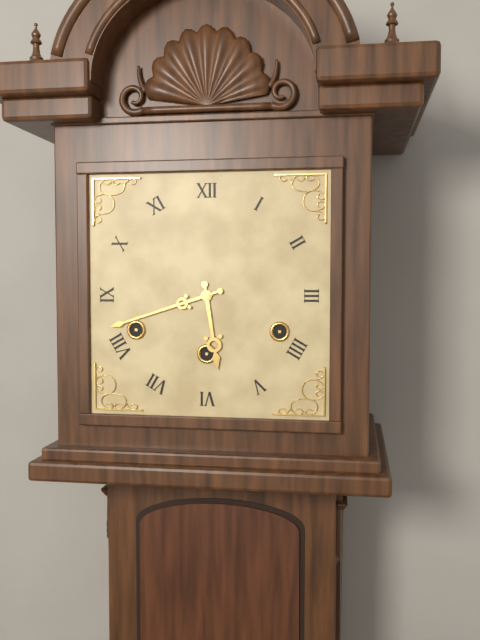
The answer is 5 h 42 min
